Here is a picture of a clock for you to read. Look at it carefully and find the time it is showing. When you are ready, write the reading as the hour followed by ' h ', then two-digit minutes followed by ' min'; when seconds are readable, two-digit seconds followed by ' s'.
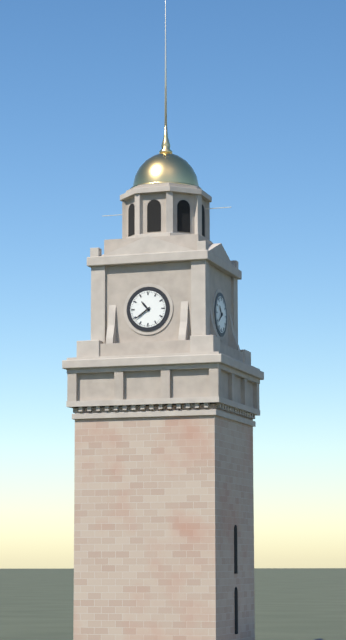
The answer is 10 h 39 min
